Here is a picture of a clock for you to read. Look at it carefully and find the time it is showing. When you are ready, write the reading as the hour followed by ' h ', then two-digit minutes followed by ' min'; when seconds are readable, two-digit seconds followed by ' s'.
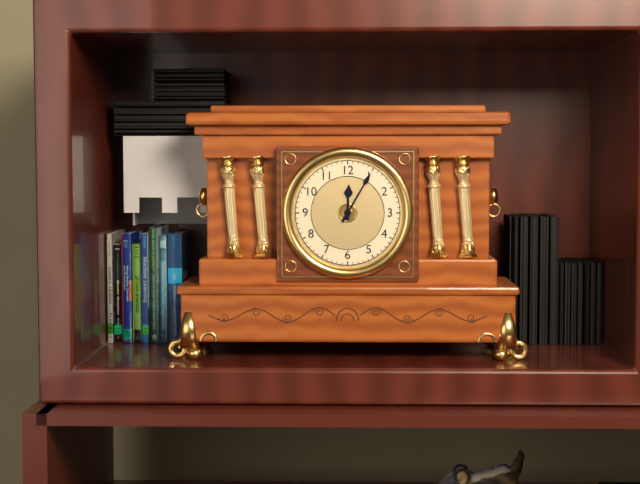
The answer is 12 h 05 min
